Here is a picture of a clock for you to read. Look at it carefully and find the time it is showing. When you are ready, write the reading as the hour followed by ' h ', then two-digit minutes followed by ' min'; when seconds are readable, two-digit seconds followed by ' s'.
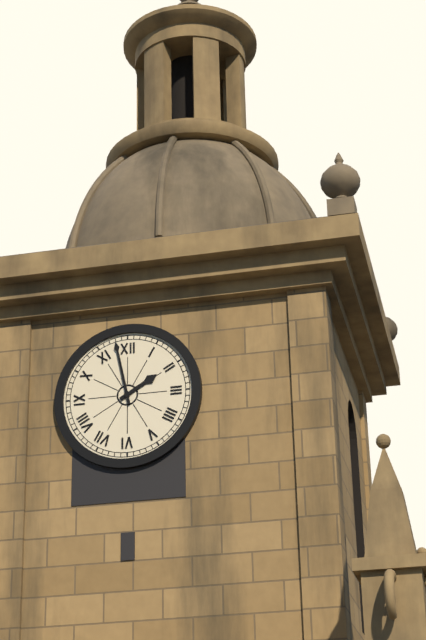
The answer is 1 h 58 min
